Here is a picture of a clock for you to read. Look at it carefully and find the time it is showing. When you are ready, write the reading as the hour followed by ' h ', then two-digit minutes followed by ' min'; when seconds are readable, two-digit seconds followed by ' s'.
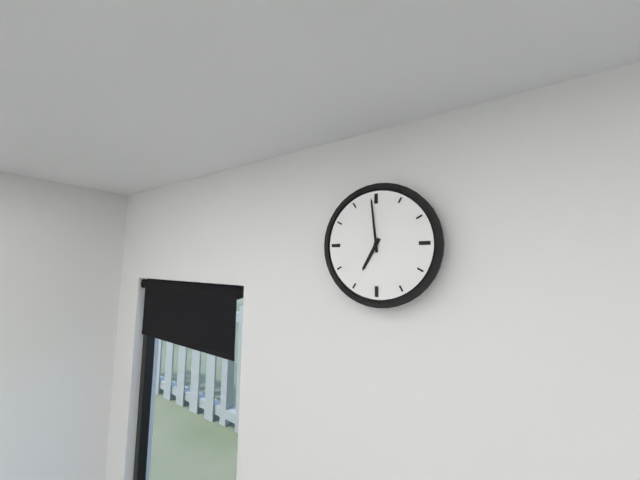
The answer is 6 h 59 min
